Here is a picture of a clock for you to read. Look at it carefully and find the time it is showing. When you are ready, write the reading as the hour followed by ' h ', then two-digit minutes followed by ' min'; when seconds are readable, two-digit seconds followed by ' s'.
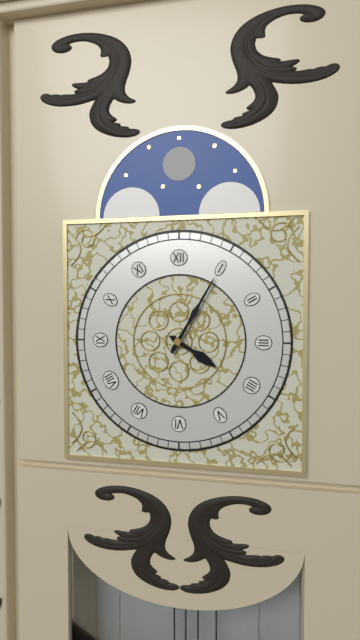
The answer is 4 h 05 min
